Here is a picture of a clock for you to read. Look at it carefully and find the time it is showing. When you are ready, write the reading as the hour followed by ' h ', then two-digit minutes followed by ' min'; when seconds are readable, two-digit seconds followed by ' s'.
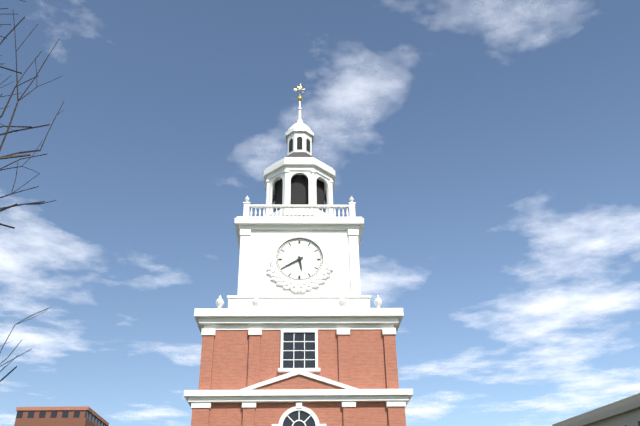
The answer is 5 h 40 min
